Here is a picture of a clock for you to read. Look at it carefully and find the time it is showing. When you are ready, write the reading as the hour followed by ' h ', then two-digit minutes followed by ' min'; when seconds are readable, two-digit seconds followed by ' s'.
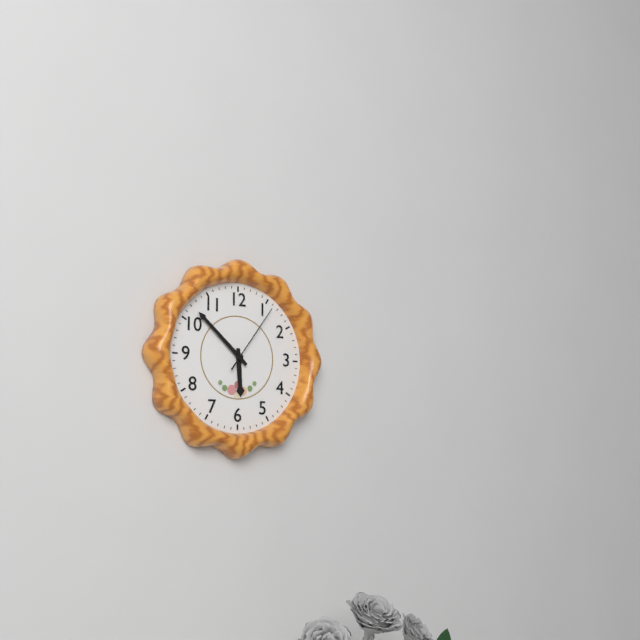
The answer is 5 h 52 min 06 s
